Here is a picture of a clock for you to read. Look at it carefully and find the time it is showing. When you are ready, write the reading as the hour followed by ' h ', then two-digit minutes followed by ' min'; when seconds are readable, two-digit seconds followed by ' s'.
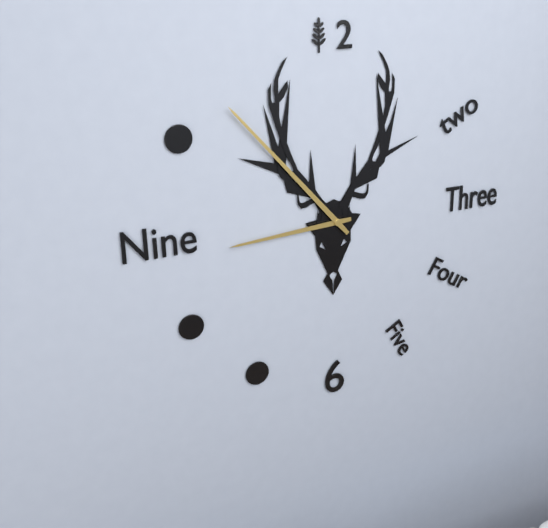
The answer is 8 h 53 min
